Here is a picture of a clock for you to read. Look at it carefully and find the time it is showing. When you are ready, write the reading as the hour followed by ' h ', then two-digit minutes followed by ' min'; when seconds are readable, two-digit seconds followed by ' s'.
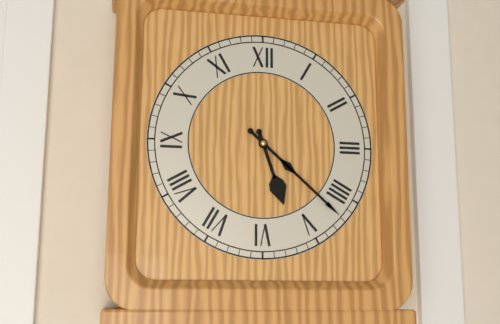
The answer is 5 h 22 min
